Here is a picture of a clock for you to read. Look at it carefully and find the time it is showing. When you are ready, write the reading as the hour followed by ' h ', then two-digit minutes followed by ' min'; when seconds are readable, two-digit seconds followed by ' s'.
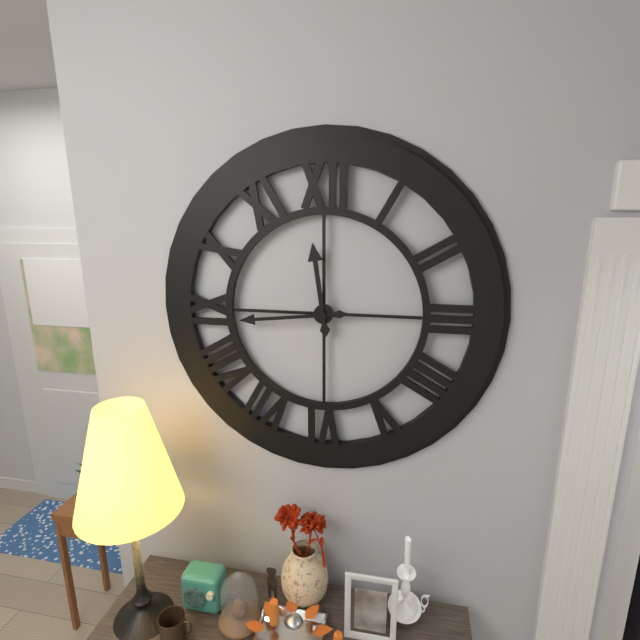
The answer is 11 h 44 min
